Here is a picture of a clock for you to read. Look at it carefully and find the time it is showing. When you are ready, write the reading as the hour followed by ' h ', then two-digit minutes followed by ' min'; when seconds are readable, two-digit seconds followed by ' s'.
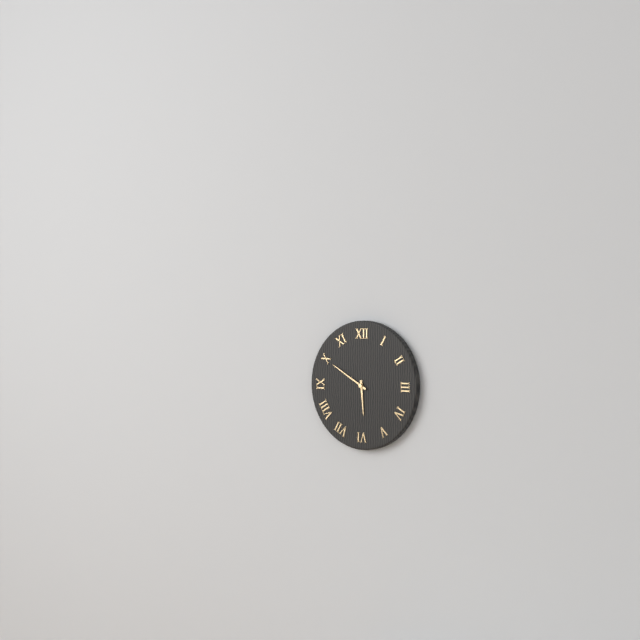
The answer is 5 h 50 min
